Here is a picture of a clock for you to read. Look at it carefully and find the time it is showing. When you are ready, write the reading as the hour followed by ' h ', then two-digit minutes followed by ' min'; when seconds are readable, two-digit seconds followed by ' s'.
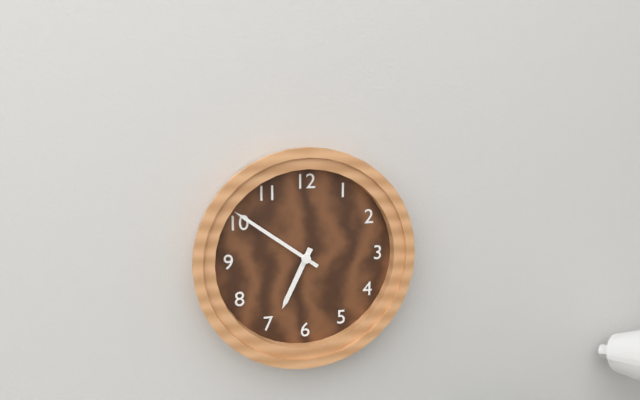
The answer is 6 h 51 min
